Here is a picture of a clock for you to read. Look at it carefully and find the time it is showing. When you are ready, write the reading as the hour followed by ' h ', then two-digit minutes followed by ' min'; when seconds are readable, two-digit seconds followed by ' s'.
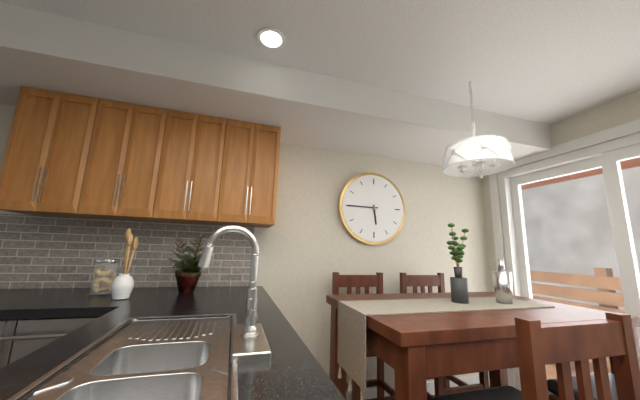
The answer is 5 h 45 min
